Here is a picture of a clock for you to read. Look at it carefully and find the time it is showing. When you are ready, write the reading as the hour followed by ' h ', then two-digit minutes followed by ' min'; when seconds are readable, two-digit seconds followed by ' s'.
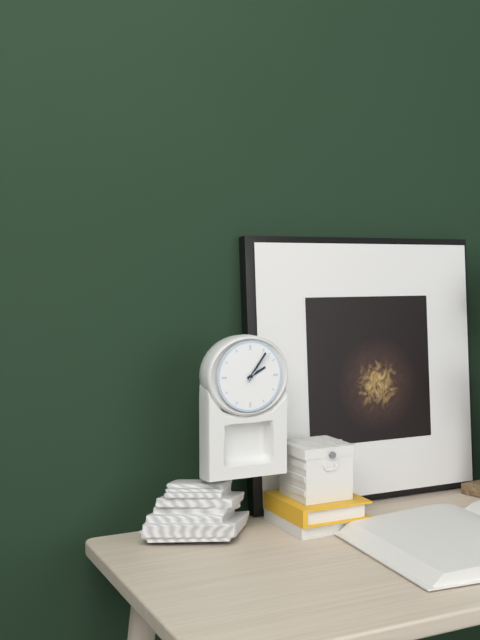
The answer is 2 h 06 min
